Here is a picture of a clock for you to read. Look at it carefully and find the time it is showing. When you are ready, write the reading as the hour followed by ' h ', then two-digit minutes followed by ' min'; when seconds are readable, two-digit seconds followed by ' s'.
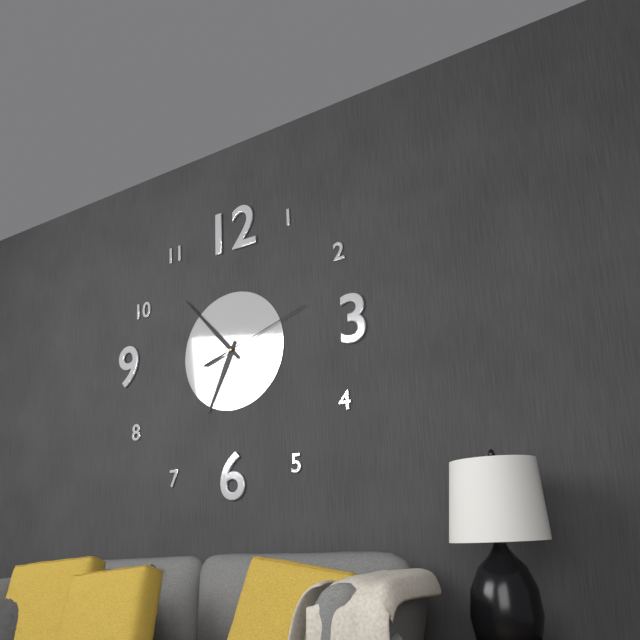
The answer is 6 h 53 min 12 s
